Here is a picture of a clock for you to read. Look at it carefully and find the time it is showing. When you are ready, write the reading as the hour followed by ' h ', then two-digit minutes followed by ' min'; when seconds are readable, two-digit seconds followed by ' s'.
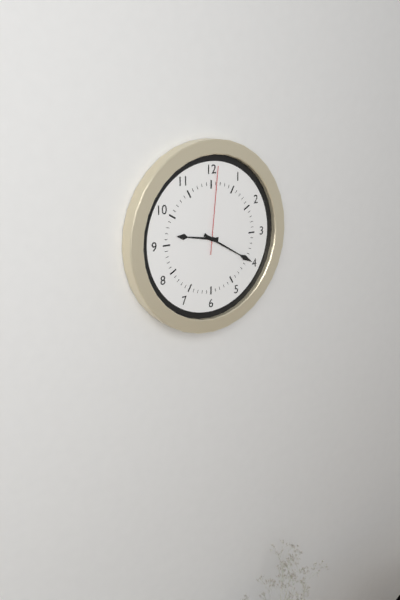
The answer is 9 h 20 min 01 s
